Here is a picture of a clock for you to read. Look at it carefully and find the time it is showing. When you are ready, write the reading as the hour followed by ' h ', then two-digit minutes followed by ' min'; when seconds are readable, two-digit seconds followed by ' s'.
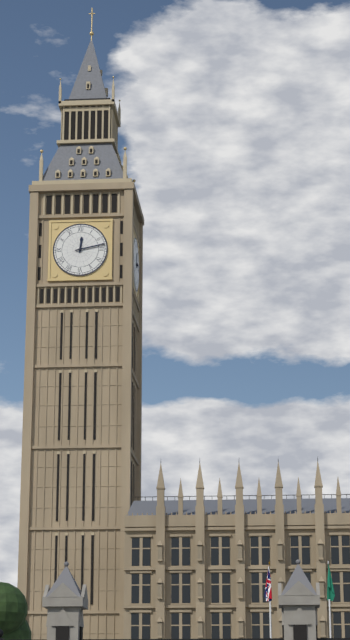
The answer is 12 h 13 min
